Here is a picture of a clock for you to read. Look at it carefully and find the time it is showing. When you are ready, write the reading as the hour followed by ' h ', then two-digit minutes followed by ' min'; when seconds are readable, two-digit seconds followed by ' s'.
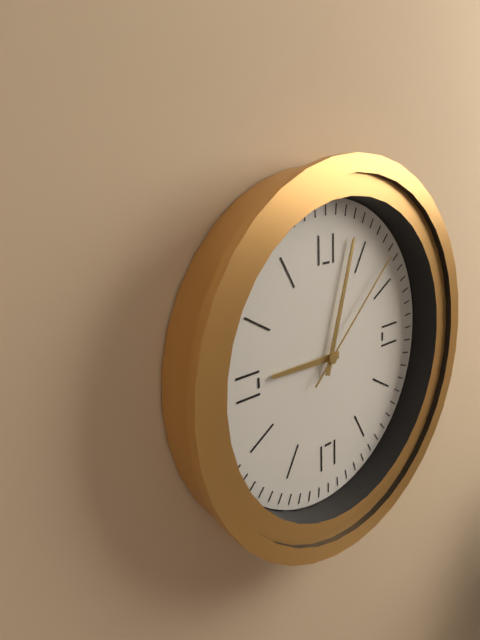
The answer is 9 h 03 min 08 s
